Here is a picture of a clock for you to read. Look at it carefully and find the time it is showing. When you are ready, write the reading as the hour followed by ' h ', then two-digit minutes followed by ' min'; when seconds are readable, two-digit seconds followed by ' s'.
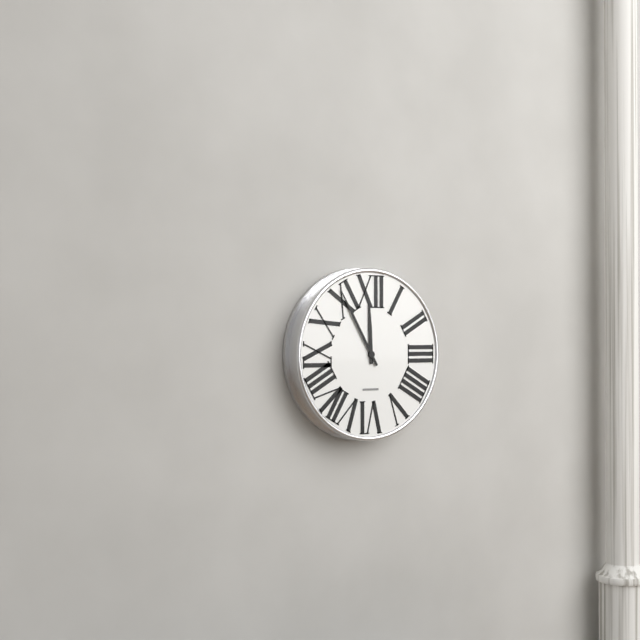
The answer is 11 h 55 min
